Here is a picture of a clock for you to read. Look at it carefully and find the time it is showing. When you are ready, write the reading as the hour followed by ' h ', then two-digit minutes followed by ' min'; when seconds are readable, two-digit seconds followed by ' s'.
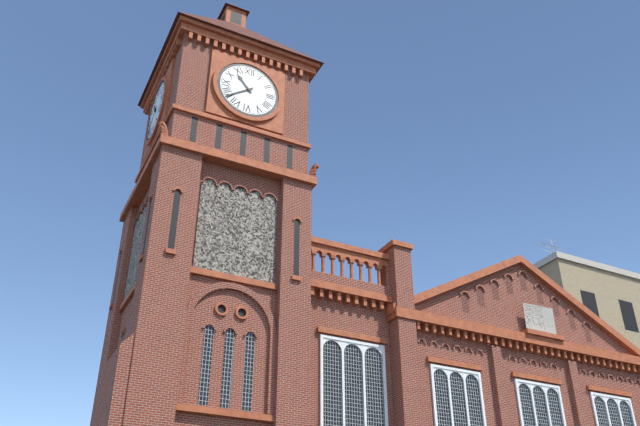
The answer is 10 h 39 min
